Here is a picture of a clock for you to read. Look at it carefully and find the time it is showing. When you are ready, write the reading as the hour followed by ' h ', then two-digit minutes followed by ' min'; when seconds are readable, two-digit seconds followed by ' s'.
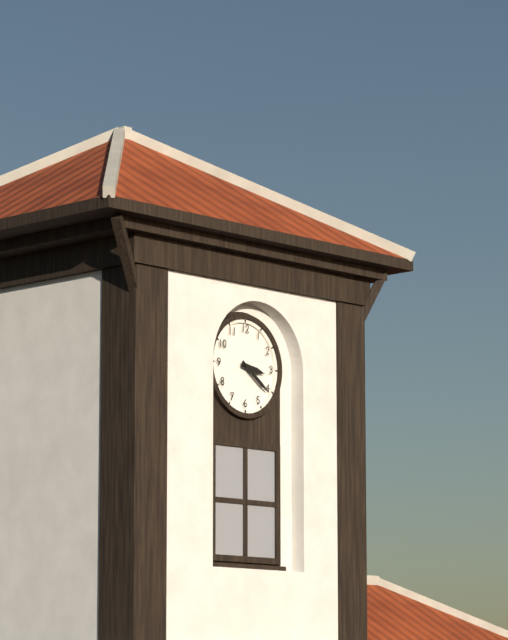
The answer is 3 h 21 min
